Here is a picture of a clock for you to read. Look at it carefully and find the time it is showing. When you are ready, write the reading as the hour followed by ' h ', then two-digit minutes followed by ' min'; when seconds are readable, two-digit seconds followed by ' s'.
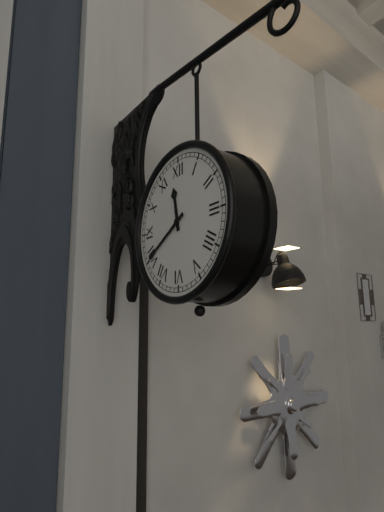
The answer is 11 h 40 min
